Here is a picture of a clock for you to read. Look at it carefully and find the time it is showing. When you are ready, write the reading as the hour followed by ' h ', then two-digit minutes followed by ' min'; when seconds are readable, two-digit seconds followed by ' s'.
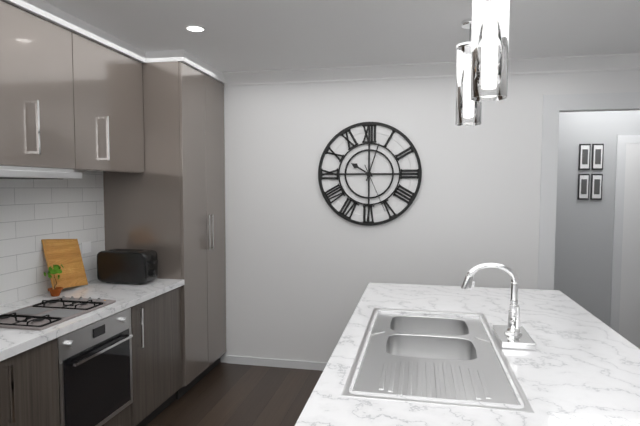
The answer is 10 h 03 min 26 s
